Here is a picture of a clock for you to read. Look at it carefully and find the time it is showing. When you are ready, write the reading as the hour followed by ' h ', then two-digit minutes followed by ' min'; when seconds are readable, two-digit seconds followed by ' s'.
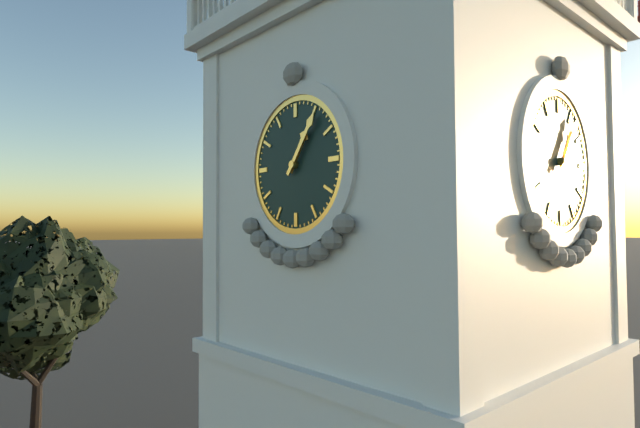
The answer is 1 h 06 min
